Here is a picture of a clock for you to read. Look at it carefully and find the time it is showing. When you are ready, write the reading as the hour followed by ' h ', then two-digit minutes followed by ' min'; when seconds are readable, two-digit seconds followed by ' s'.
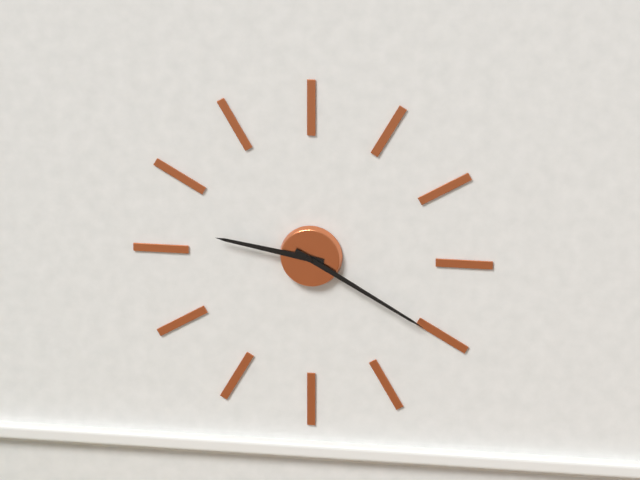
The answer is 9 h 20 min
